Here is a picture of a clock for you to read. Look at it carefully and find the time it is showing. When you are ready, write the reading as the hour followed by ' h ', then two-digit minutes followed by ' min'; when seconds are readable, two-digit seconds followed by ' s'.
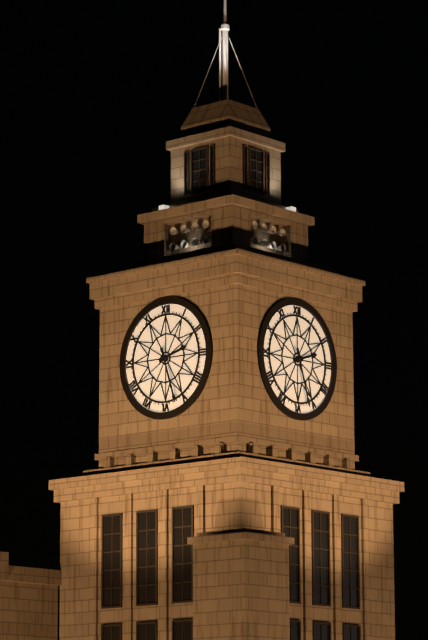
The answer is 2 h 27 min
